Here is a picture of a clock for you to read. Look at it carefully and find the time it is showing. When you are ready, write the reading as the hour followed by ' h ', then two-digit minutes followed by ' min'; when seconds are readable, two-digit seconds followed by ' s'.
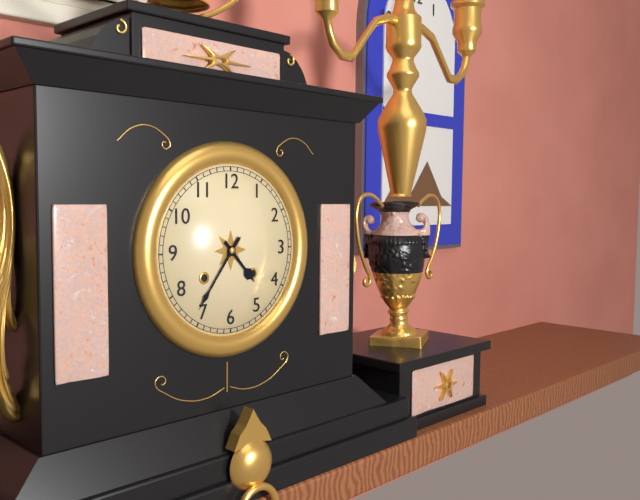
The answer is 4 h 36 min
